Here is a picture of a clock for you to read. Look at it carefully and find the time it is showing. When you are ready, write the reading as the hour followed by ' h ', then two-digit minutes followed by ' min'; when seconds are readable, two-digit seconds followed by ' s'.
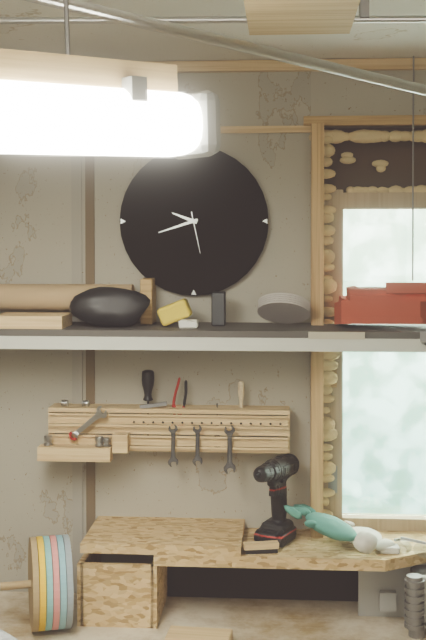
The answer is 9 h 42 min
